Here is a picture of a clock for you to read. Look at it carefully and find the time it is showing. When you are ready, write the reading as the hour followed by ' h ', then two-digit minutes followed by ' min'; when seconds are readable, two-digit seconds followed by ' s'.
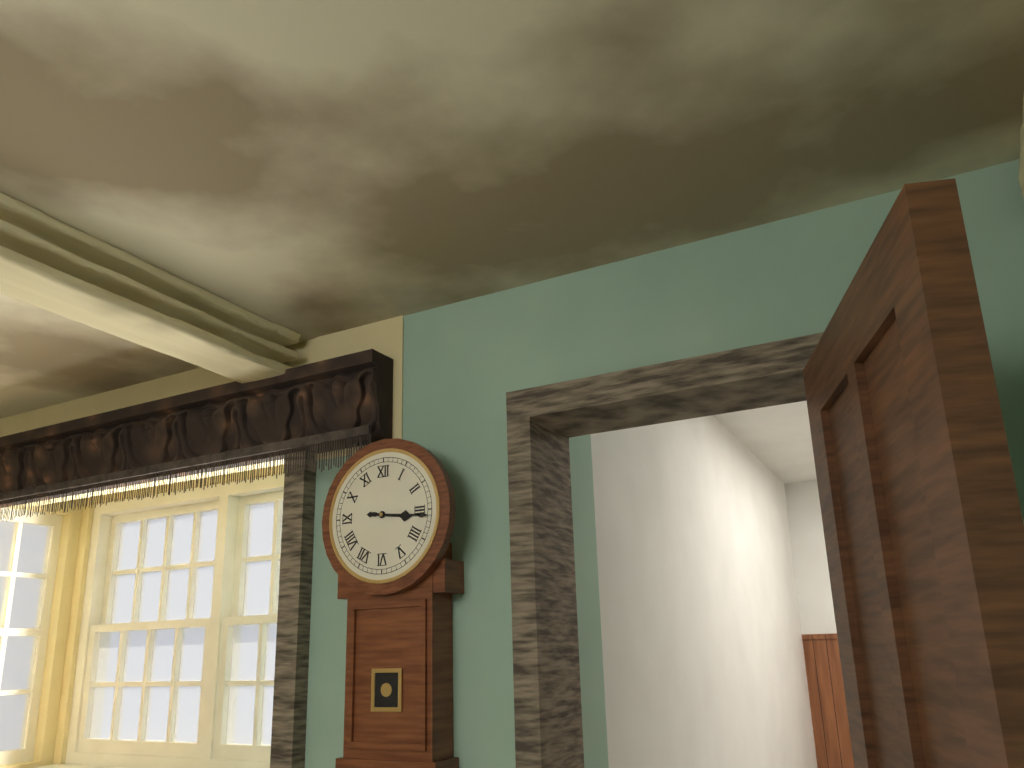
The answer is 3 h 16 min
